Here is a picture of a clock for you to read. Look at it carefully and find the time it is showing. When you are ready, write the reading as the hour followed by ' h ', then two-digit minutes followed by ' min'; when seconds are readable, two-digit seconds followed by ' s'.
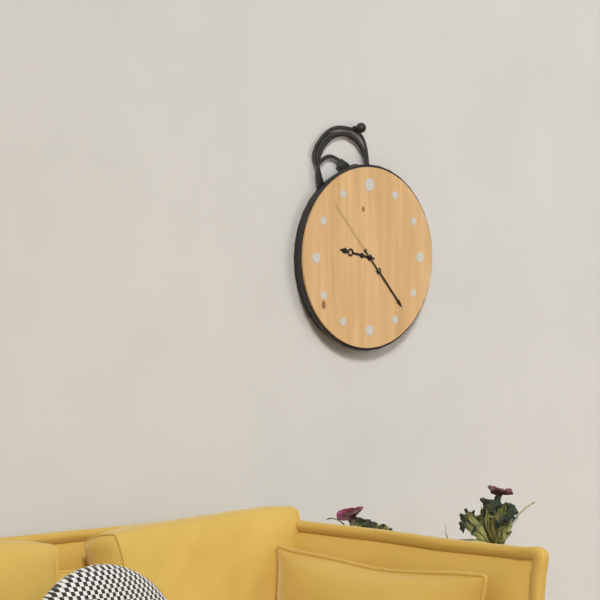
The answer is 9 h 23 min 53 s
